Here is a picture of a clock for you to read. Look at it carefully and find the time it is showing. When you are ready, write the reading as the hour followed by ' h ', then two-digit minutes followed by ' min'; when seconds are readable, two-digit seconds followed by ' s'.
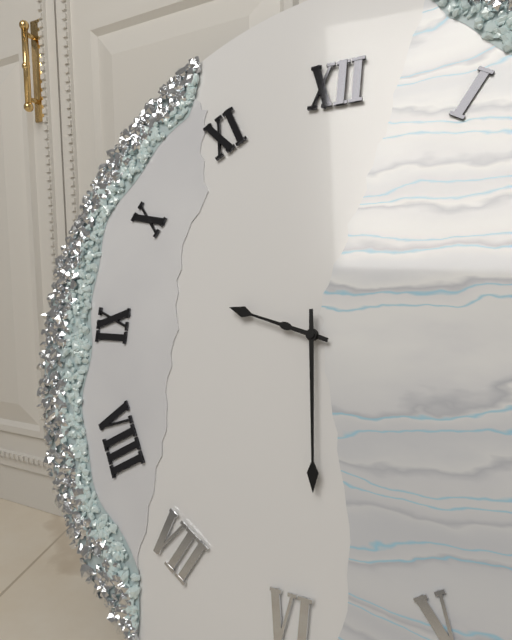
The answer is 9 h 29 min
